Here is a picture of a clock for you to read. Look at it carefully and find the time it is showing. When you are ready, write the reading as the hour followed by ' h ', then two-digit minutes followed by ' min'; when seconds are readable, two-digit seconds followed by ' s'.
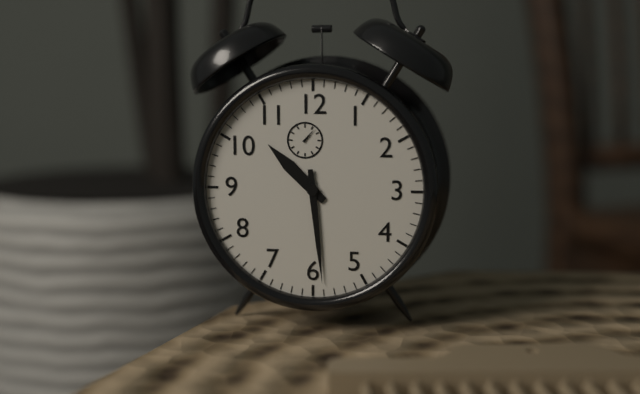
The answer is 10 h 29 min
